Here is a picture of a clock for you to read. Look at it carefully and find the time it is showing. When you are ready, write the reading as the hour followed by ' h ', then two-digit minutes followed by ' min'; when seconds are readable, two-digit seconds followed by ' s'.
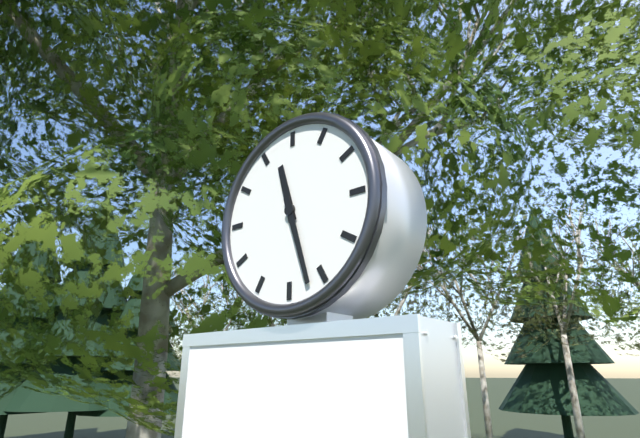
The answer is 11 h 27 min
